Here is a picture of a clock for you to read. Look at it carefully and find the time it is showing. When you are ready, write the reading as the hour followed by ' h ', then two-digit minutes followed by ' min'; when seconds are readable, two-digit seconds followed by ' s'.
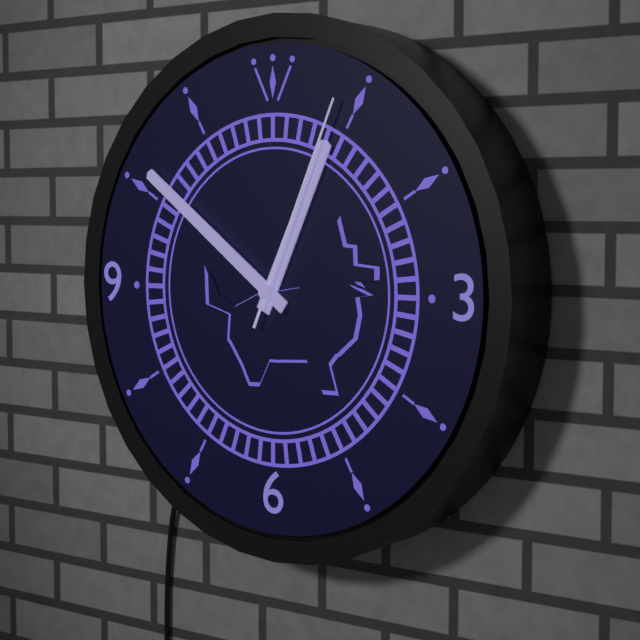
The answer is 12 h 51 min 04 s
